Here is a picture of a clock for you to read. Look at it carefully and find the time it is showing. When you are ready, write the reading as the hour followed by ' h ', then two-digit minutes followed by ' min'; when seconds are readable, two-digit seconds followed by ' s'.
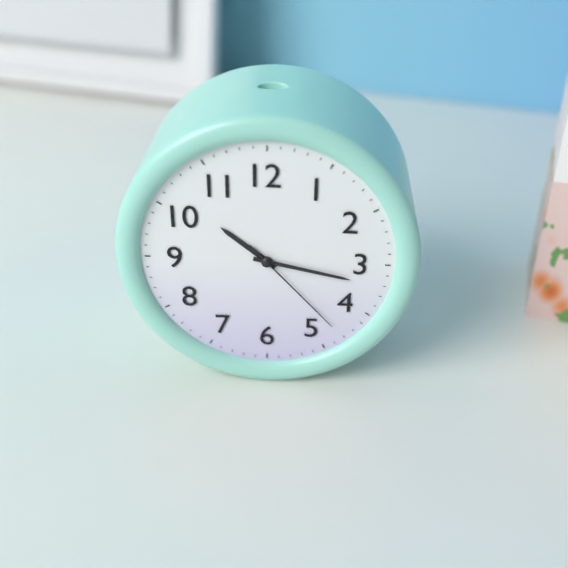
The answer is 10 h 17 min 23 s
